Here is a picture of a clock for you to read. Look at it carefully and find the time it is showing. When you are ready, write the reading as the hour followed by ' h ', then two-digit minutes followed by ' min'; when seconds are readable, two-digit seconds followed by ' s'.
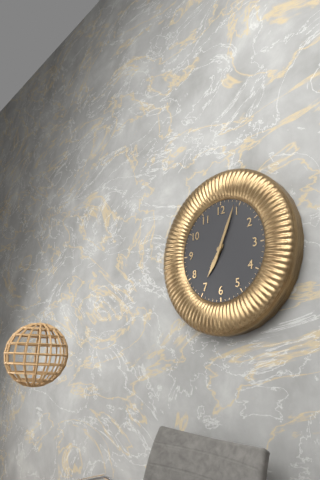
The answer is 7 h 04 min
